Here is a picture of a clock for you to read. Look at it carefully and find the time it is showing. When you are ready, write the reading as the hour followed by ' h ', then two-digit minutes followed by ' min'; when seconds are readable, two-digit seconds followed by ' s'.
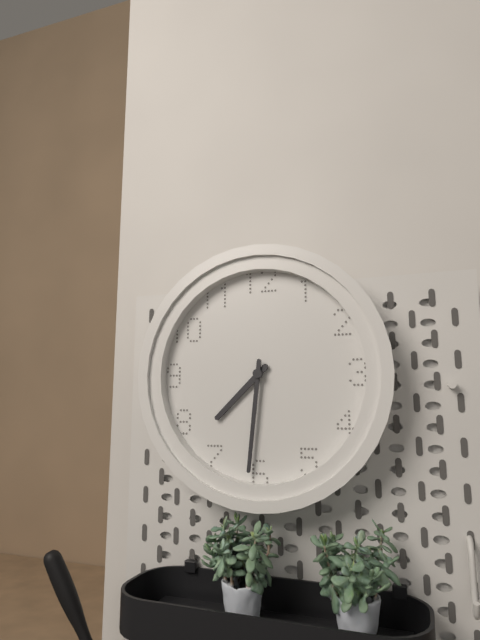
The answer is 7 h 31 min
